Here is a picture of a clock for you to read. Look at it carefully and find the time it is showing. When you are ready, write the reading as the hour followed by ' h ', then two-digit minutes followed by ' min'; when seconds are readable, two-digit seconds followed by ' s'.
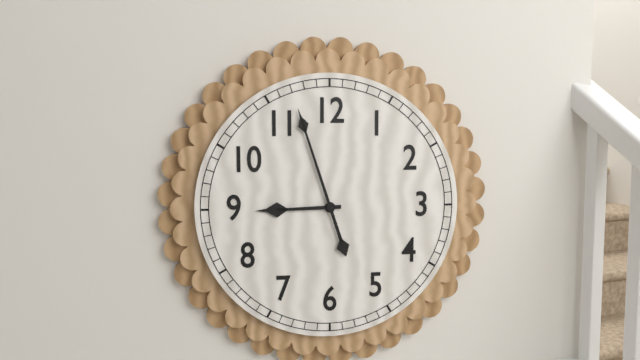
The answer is 8 h 57 min
